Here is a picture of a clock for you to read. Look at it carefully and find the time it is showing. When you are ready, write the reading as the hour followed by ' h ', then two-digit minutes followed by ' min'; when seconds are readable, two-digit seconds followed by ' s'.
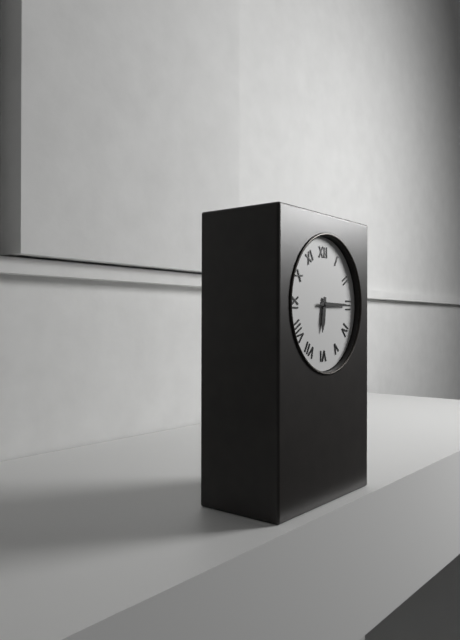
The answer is 6 h 15 min
